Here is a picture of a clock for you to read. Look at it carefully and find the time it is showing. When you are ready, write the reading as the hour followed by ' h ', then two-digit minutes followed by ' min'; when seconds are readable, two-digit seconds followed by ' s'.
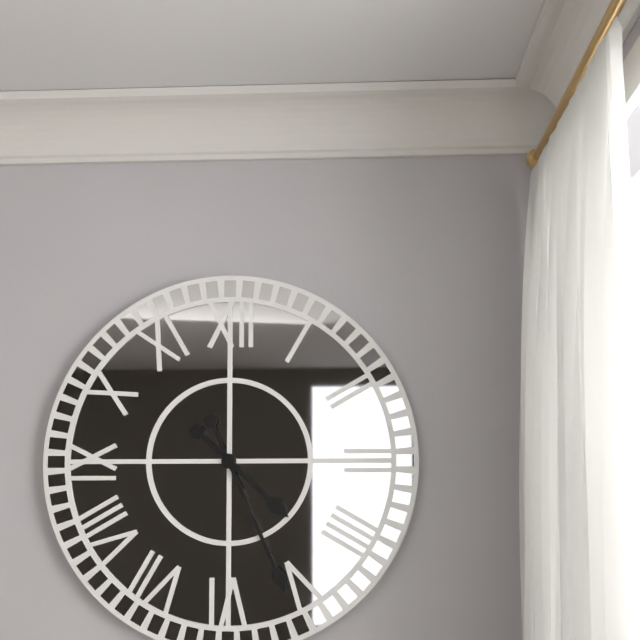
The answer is 4 h 26 min
